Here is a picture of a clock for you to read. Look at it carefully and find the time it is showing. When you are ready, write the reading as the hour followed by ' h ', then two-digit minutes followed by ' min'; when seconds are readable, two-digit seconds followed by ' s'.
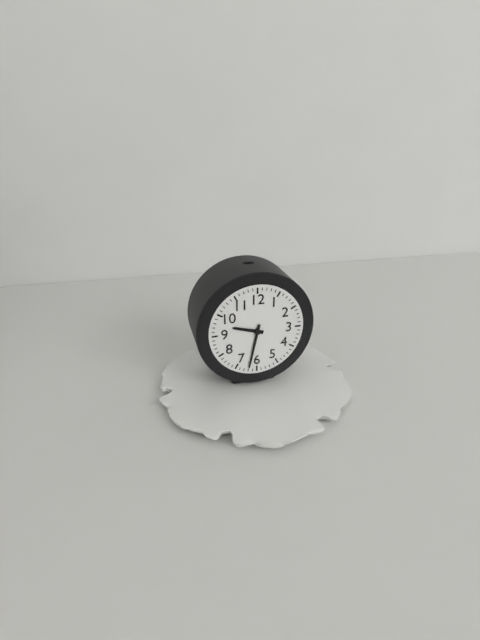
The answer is 9 h 32 min
